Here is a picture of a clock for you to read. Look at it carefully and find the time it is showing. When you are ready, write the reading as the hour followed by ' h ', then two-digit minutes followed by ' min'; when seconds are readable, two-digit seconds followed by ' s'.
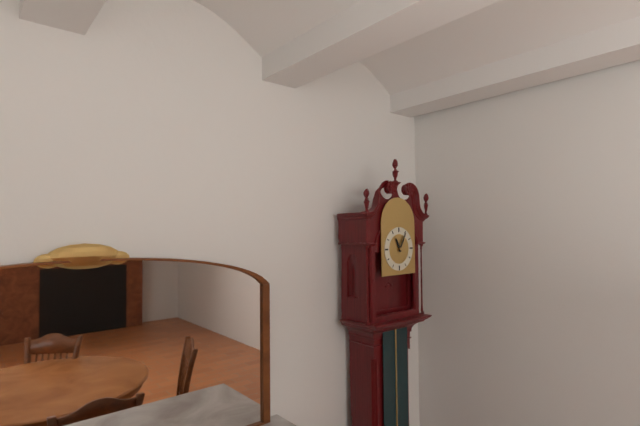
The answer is 11 h 05 min
